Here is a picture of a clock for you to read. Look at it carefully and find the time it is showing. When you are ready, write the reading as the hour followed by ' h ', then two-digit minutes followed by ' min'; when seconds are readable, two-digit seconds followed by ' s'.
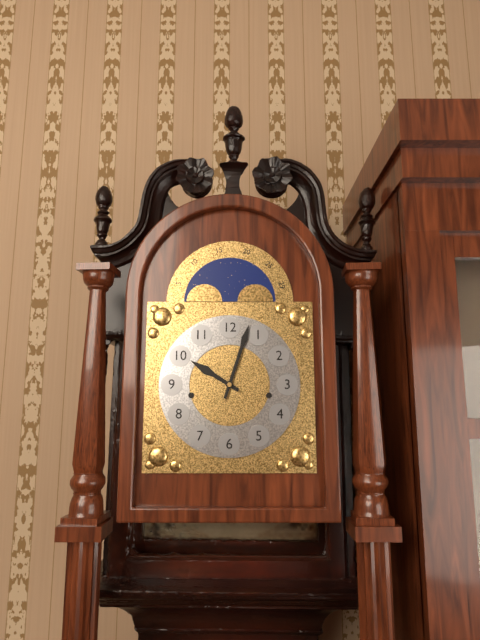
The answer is 10 h 03 min
